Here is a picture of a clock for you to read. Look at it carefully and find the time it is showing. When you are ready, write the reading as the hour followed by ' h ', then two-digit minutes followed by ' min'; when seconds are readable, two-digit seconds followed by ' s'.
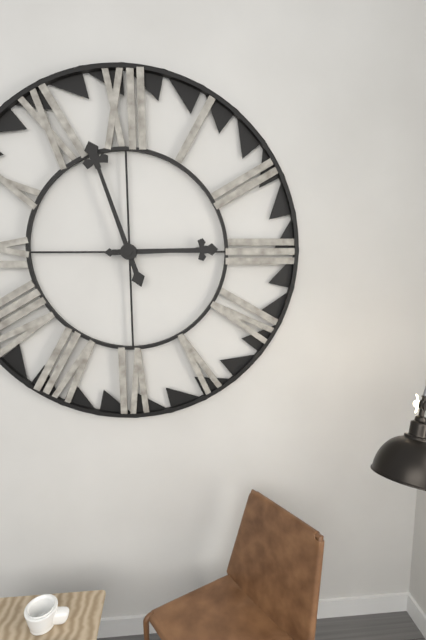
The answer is 2 h 57 min
